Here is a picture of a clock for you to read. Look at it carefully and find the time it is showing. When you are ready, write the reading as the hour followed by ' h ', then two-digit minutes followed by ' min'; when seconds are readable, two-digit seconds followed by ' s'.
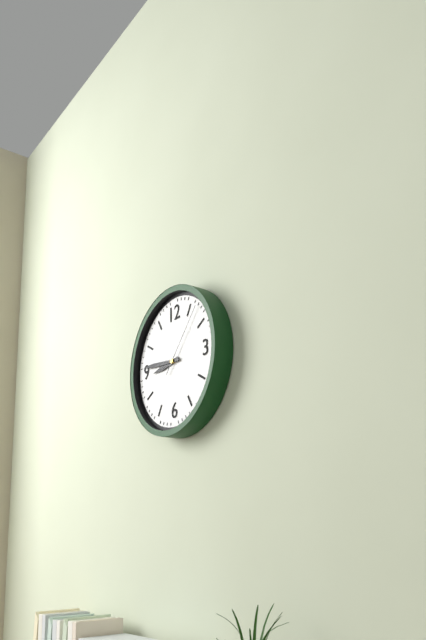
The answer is 8 h 46 min 07 s
